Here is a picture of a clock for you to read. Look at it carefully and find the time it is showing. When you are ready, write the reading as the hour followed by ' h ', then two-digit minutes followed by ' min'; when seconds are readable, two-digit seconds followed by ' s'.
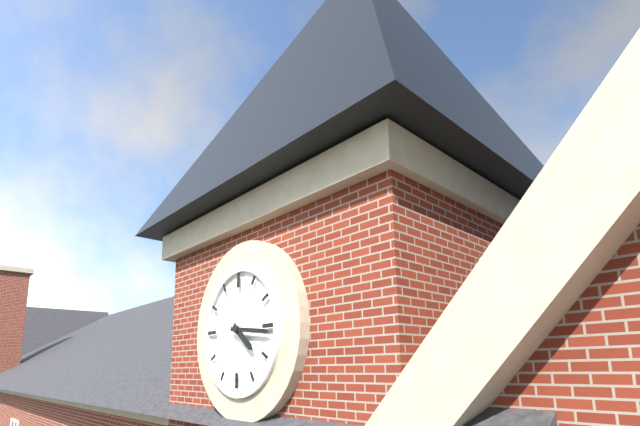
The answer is 4 h 16 min
